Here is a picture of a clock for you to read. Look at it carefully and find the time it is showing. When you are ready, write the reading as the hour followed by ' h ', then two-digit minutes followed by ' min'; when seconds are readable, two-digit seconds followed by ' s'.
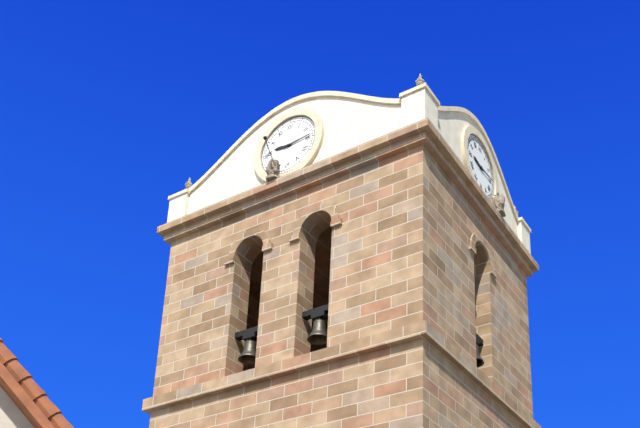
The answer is 9 h 14 min
